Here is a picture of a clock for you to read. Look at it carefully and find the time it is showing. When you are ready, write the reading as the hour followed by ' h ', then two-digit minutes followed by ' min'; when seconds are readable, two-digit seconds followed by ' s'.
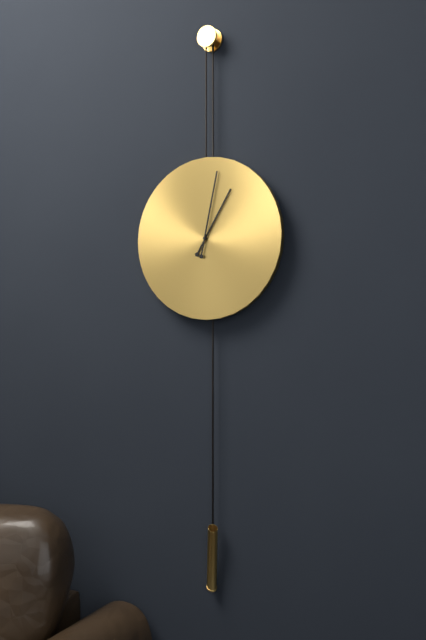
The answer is 1 h 02 min
